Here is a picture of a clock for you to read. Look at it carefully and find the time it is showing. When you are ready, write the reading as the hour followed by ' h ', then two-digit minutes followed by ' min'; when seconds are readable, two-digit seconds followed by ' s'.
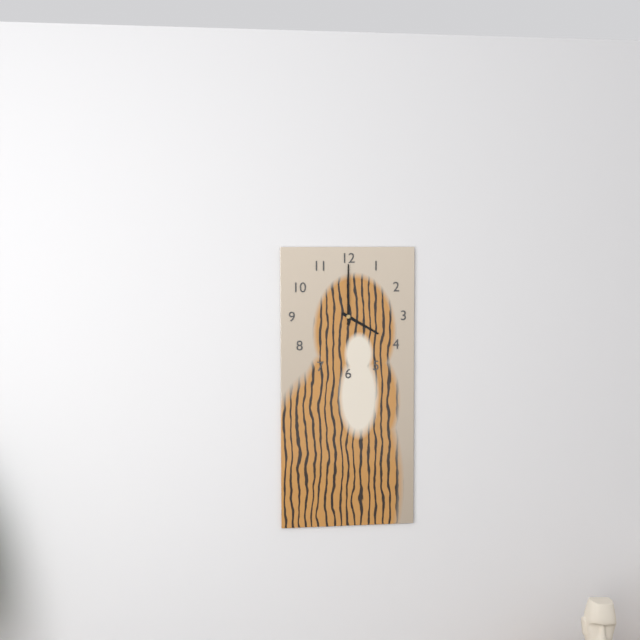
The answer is 4 h 00 min
